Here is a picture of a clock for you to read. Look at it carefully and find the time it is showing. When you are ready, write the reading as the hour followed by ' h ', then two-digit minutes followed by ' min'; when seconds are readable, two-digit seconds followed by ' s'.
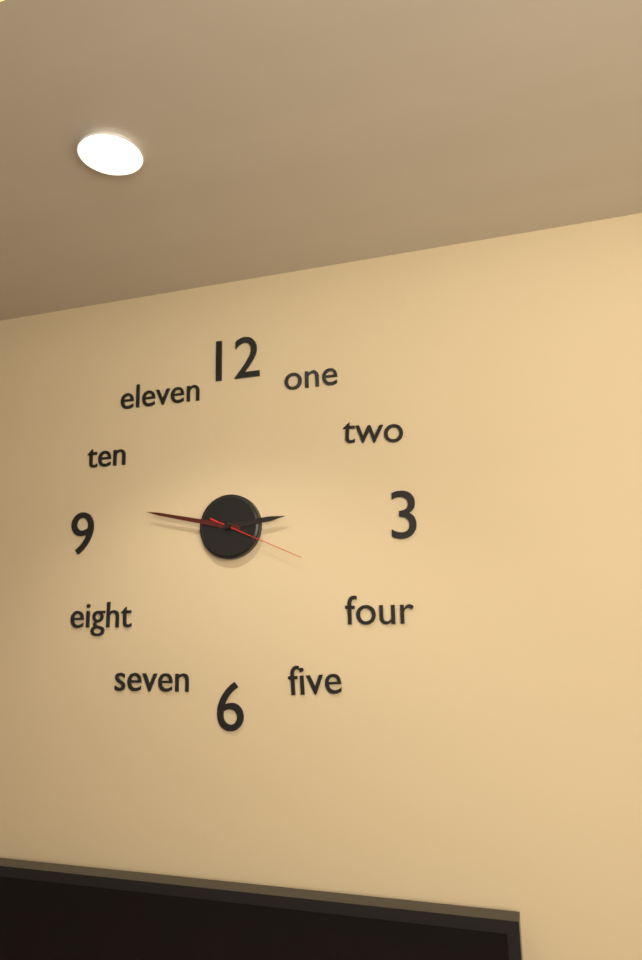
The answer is 2 h 47 min 19 s
